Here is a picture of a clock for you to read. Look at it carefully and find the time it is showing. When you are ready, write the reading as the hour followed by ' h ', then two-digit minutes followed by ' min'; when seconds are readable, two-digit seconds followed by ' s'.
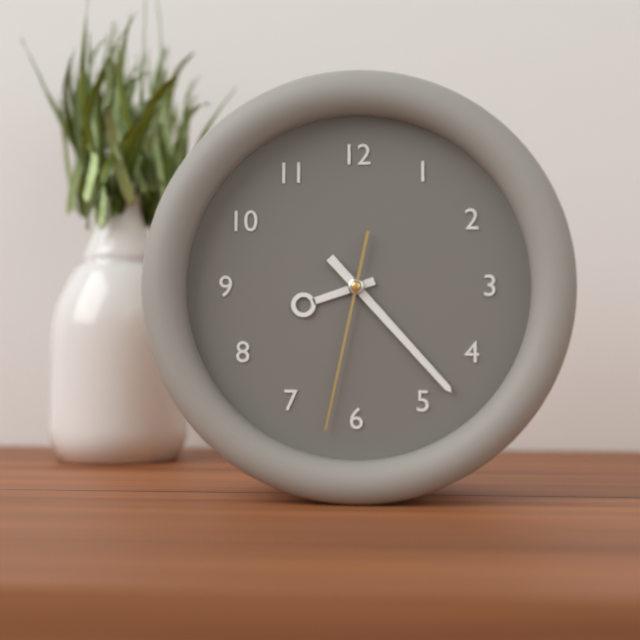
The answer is 8 h 23 min 32 s
